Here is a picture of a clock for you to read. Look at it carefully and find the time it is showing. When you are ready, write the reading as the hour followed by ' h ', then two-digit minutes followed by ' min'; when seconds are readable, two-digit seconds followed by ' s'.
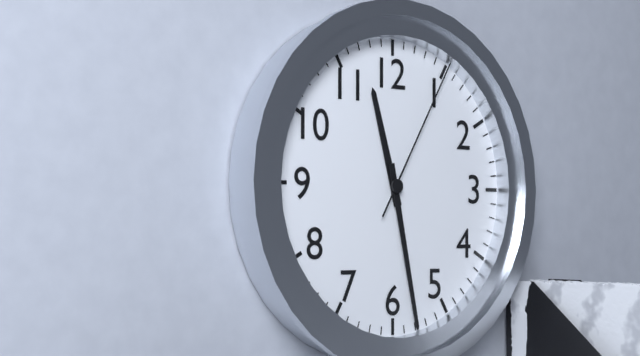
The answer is 11 h 28 min 05 s
